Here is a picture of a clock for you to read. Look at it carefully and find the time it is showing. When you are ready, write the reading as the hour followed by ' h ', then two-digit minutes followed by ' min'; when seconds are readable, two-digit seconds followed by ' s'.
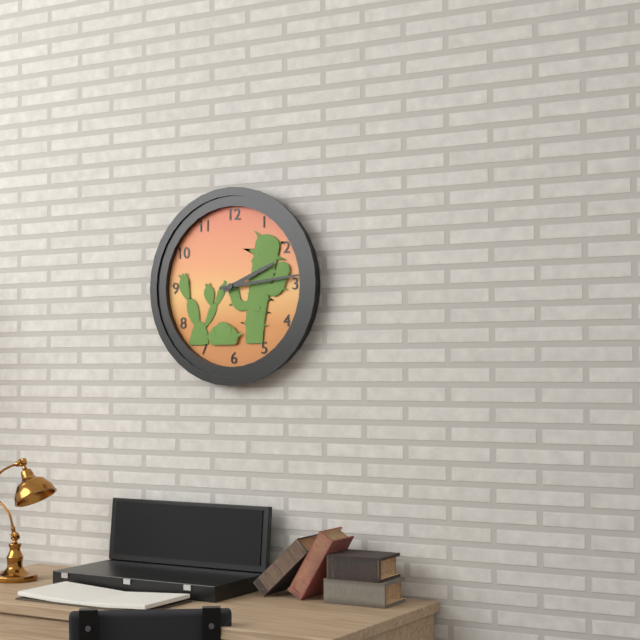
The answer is 2 h 14 min
